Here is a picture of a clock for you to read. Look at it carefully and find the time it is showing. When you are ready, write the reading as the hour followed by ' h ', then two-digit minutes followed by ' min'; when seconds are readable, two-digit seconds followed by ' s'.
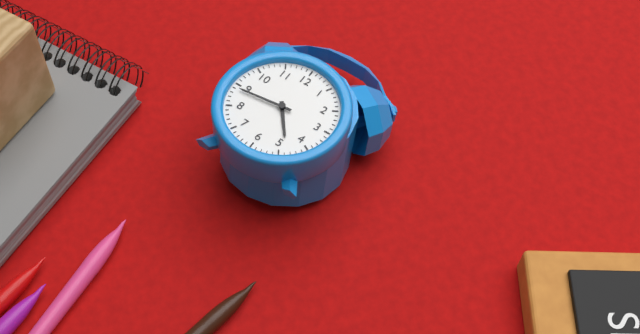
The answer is 4 h 44 min
